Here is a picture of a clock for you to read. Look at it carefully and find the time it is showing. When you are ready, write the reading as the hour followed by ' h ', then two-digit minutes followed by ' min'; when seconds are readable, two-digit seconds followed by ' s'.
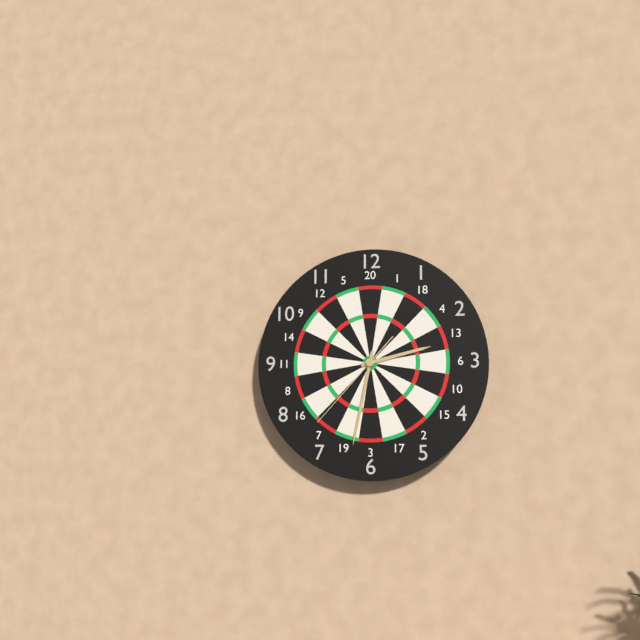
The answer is 2 h 32 min 37 s
